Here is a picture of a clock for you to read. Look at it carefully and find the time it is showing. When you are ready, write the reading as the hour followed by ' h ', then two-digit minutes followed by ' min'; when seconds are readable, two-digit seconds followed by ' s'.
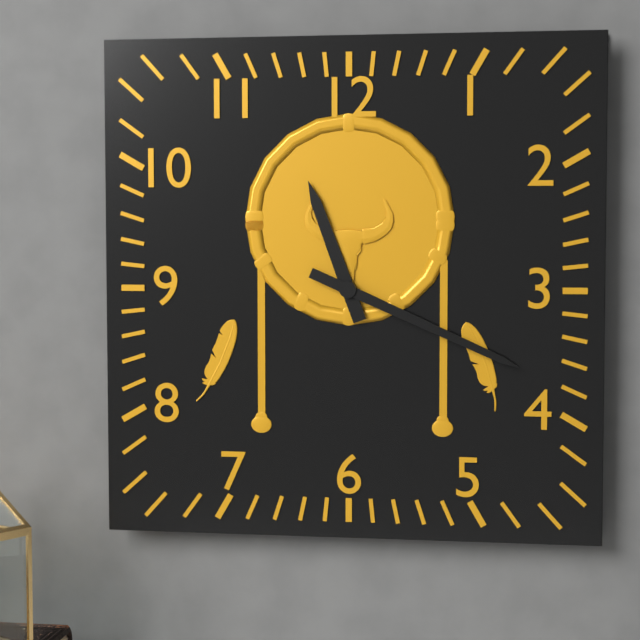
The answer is 11 h 19 min
